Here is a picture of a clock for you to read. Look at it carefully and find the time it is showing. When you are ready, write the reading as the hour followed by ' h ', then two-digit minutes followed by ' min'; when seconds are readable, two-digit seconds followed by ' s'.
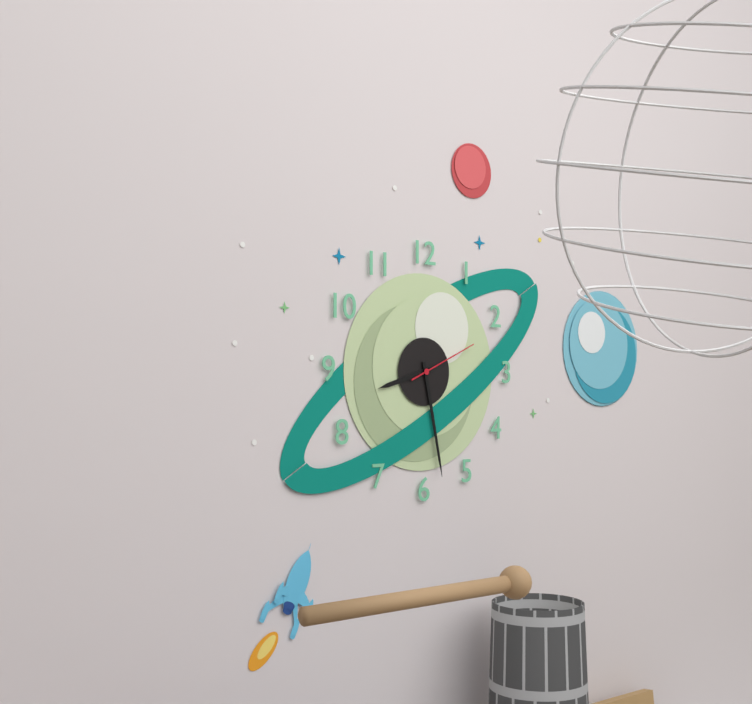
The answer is 8 h 28 min 11 s
